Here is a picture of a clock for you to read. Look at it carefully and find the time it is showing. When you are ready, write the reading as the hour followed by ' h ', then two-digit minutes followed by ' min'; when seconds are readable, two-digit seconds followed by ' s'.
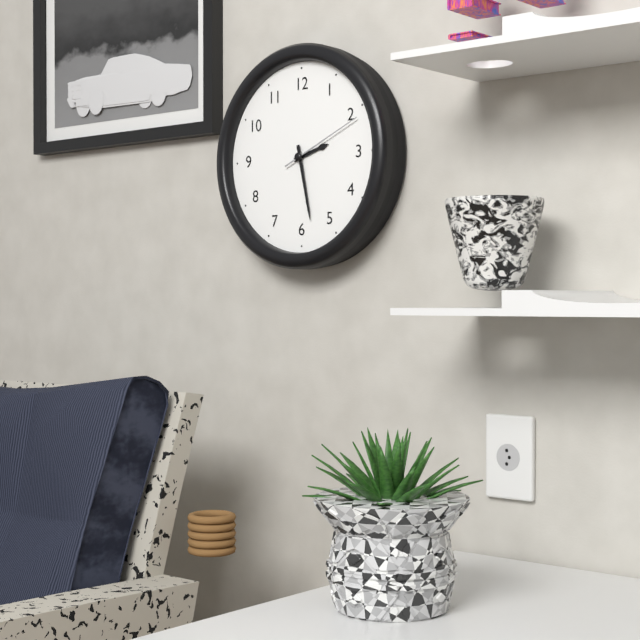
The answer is 2 h 28 min 11 s
